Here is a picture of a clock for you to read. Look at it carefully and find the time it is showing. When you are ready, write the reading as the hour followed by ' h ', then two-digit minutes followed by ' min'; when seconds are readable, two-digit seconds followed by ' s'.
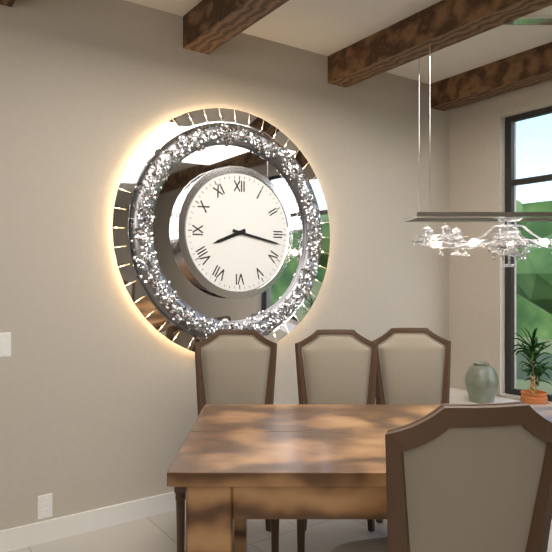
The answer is 8 h 17 min
